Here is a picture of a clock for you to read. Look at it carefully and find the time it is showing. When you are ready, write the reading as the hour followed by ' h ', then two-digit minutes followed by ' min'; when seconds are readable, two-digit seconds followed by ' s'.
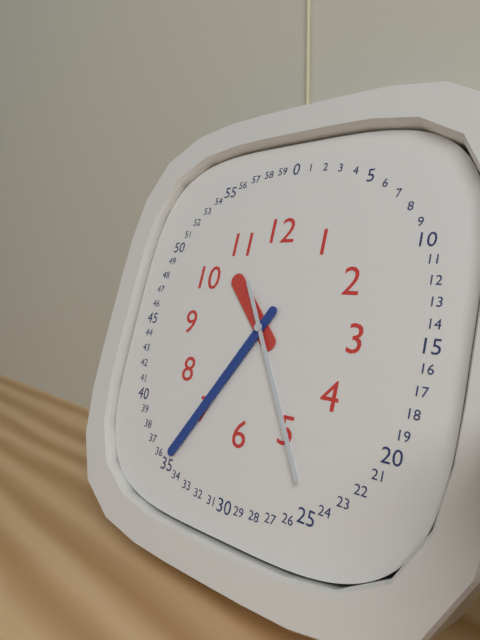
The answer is 10 h 35 min 25 s
